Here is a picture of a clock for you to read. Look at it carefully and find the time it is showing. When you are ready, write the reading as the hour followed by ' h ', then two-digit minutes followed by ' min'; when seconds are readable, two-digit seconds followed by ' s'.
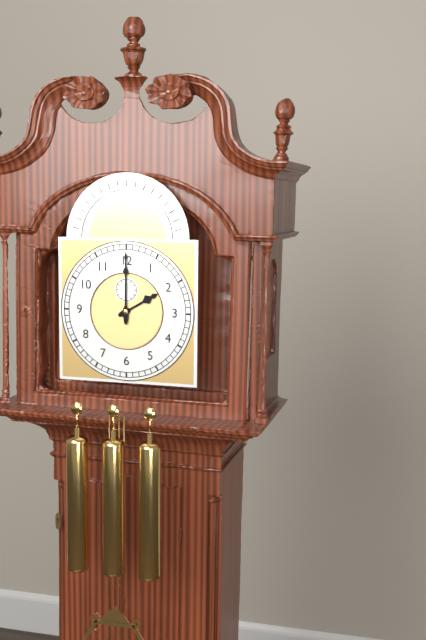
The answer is 2 h 00 min
